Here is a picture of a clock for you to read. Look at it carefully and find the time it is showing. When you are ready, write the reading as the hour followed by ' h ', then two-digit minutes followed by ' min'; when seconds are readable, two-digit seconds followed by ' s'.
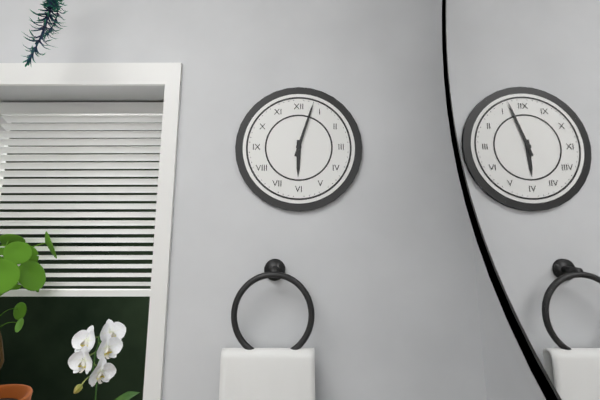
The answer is 6 h 03 min
